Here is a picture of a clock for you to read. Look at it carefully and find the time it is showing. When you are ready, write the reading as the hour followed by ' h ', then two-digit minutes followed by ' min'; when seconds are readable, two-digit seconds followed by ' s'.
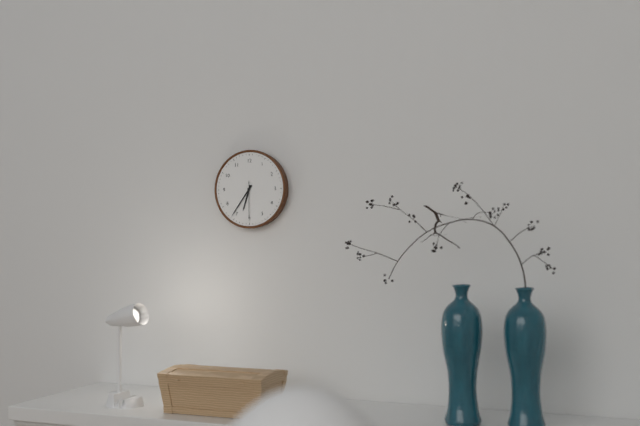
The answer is 6 h 36 min
